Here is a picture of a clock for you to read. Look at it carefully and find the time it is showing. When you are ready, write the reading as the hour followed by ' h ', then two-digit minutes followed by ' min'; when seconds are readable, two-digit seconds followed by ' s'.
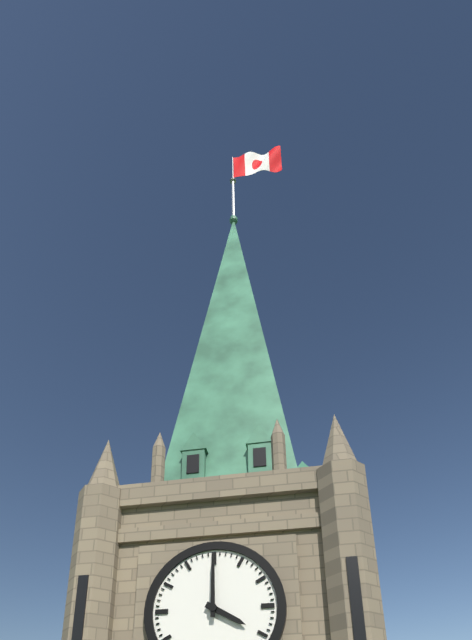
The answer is 4 h 00 min
